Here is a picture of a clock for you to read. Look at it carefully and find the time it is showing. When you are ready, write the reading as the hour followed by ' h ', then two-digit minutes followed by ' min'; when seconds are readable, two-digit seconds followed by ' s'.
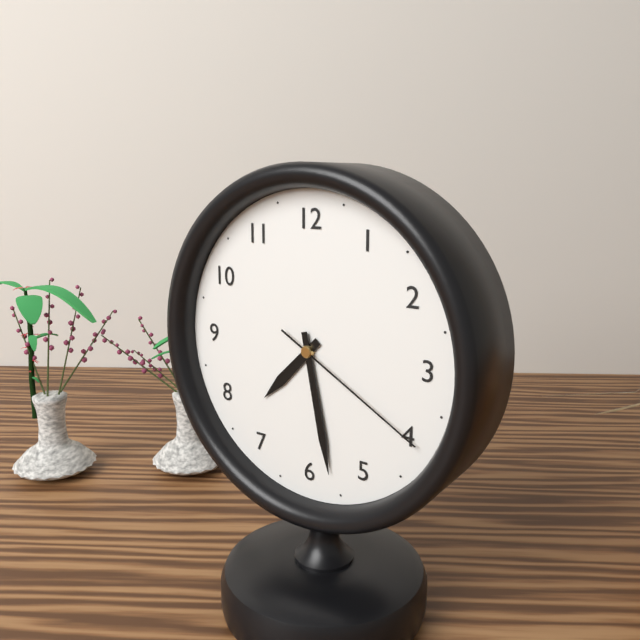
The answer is 7 h 28 min 20 s
